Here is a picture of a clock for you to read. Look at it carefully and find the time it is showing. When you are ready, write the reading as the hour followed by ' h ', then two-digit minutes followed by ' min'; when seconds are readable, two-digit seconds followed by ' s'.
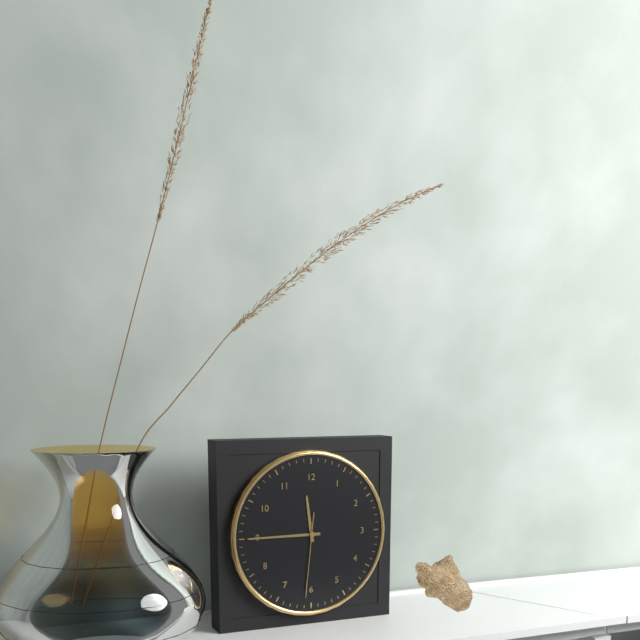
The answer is 11 h 45 min 31 s
